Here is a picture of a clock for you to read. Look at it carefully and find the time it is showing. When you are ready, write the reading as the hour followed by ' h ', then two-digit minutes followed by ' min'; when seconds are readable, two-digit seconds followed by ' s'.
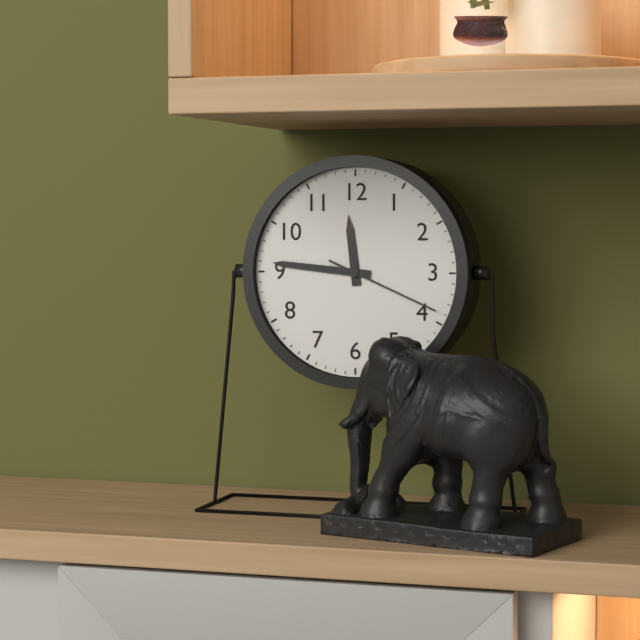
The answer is 11 h 46 min 19 s
